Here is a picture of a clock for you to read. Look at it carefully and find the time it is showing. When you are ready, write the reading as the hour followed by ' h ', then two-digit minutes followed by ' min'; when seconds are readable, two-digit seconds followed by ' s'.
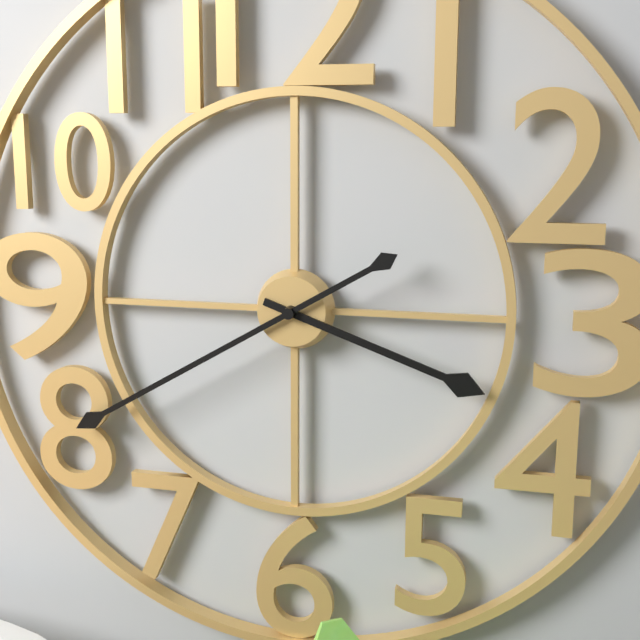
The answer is 3 h 40 min
